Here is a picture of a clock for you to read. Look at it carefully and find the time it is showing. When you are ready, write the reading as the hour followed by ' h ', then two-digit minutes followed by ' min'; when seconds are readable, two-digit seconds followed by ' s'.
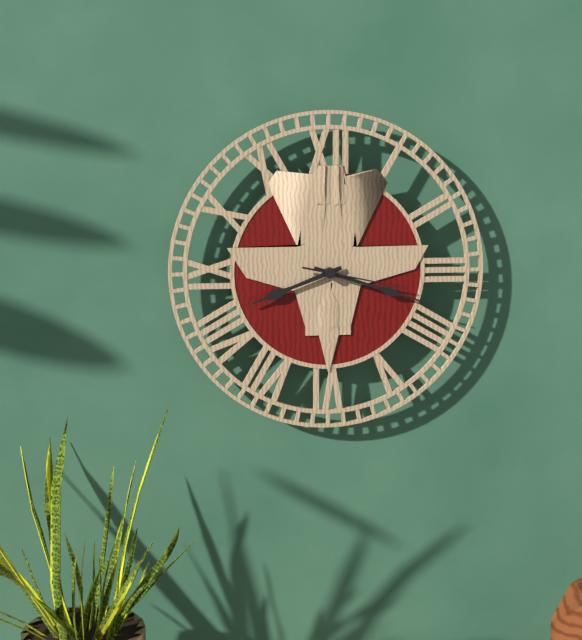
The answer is 8 h 18 min 17 s
